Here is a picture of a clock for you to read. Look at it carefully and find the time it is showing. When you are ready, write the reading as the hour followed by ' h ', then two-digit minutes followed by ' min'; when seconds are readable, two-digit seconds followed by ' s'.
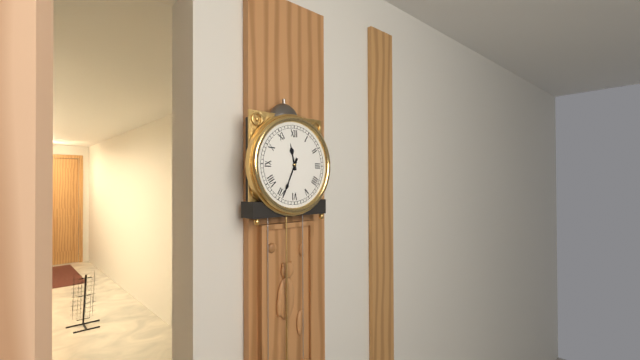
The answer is 11 h 34 min
